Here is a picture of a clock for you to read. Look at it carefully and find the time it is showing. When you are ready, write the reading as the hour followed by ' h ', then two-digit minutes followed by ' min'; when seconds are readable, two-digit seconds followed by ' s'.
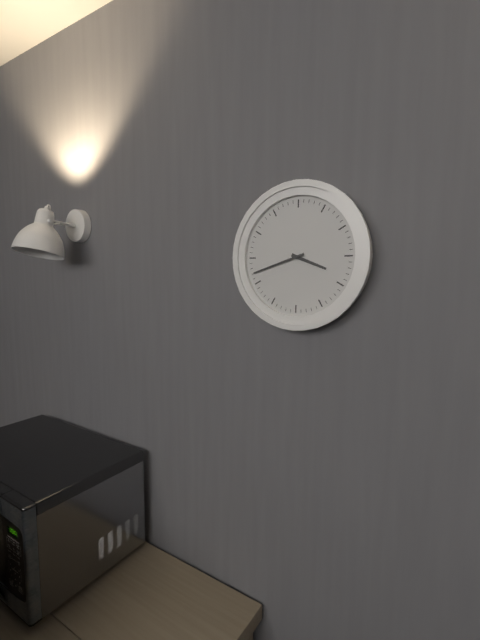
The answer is 3 h 42 min
